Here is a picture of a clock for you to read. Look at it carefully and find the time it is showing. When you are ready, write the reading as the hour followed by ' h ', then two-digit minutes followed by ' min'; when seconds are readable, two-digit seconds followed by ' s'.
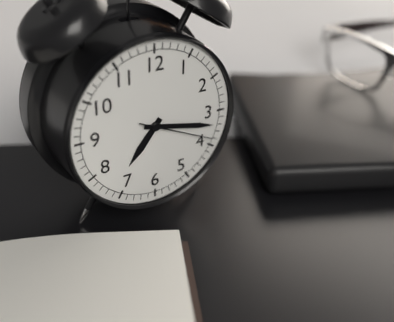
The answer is 7 h 17 min 19 s
